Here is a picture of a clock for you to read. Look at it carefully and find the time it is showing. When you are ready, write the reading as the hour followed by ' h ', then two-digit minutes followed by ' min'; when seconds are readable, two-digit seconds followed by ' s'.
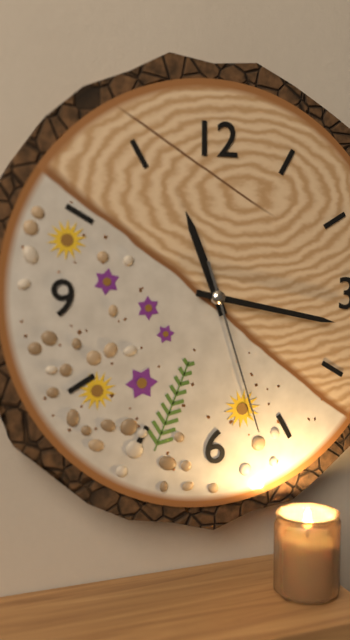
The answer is 11 h 17 min 27 s
